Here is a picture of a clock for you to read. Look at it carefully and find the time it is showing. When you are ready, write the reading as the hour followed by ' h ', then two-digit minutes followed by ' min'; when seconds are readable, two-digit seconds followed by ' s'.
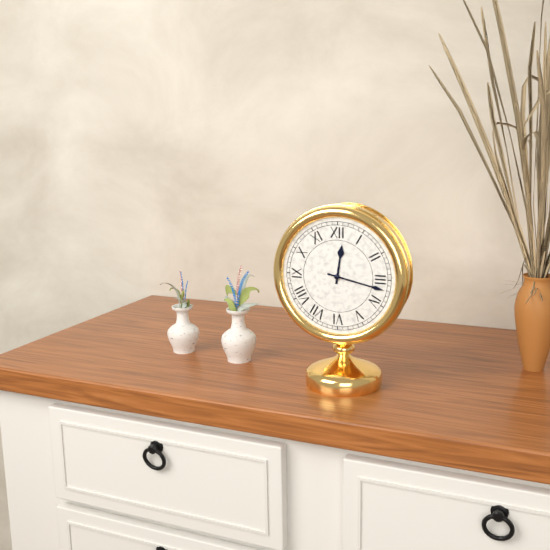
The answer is 12 h 17 min
